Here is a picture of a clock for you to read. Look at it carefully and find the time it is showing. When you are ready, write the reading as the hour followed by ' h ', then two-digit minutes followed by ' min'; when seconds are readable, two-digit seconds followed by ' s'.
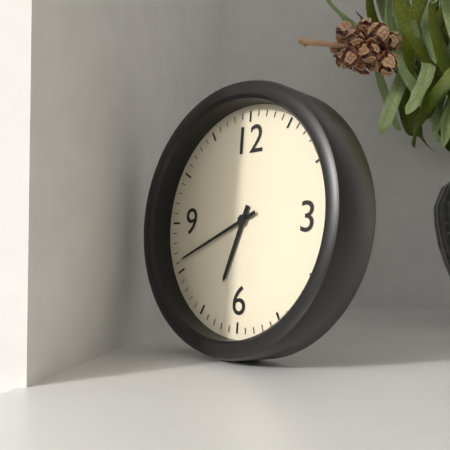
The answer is 6 h 41 min
